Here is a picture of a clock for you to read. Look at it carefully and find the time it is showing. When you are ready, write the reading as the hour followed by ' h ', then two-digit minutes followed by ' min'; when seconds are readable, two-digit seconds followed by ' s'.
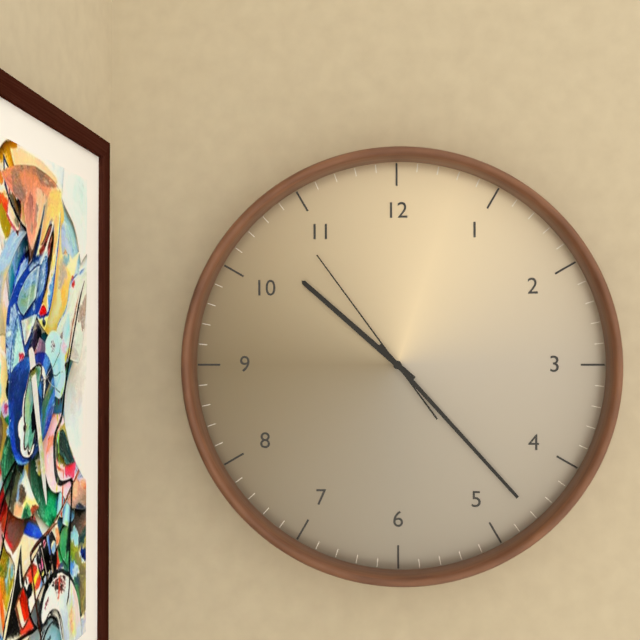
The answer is 10 h 23 min 54 s
